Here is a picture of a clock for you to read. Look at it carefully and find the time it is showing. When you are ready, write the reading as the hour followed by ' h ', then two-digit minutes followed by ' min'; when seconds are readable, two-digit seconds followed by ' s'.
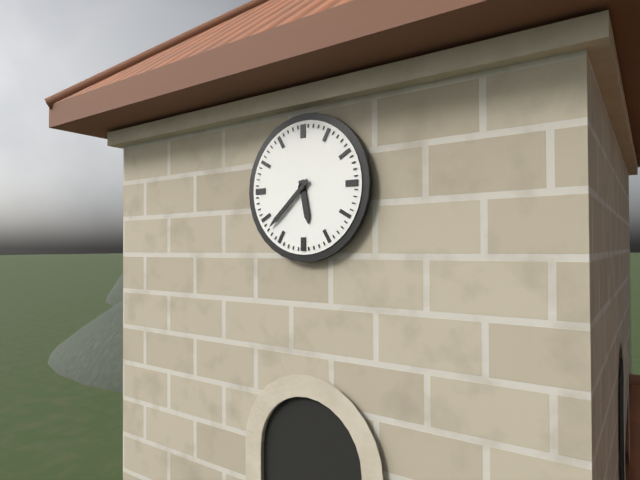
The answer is 5 h 38 min
